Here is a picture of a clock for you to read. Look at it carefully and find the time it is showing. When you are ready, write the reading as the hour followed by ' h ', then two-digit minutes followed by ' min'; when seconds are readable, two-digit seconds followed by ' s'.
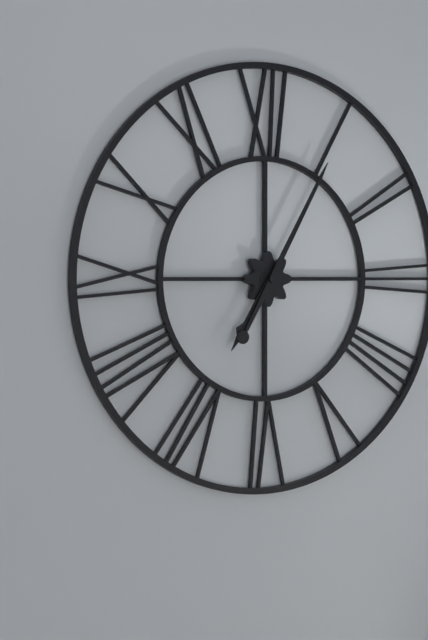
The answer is 7 h 05 min
